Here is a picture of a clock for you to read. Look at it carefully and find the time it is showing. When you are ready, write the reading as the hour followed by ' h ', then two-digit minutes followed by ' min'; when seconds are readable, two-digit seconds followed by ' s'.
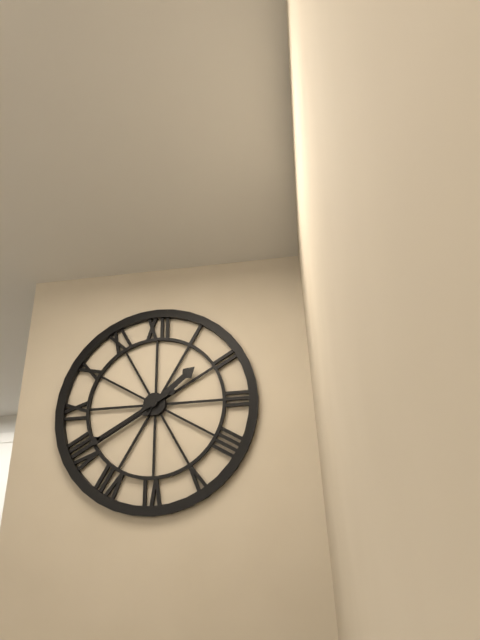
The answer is 1 h 40 min
